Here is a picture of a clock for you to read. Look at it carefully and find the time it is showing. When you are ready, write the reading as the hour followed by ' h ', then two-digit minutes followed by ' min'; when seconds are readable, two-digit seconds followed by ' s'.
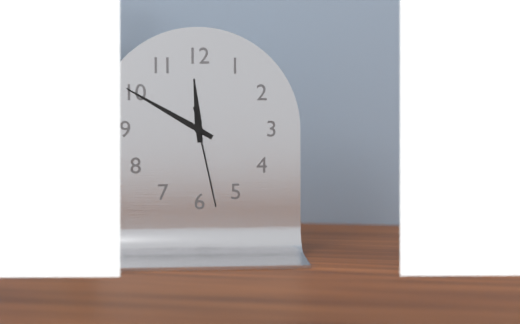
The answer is 11 h 50 min 28 s
